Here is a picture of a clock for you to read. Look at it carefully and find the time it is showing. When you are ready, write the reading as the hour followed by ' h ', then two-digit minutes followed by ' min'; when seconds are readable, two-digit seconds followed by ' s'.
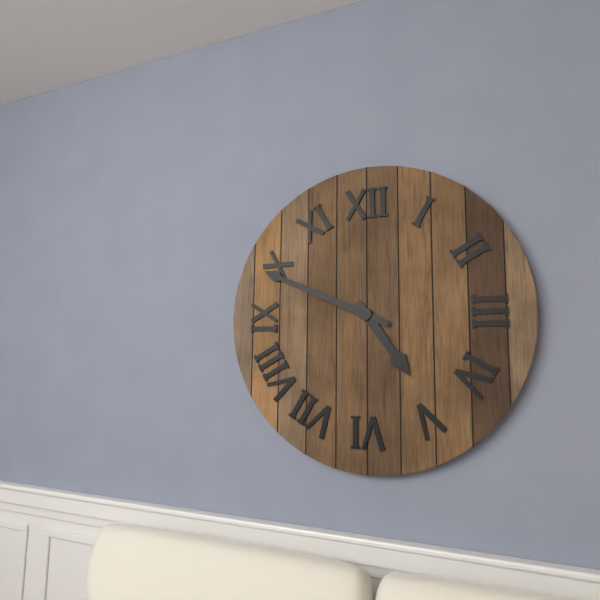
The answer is 4 h 49 min
